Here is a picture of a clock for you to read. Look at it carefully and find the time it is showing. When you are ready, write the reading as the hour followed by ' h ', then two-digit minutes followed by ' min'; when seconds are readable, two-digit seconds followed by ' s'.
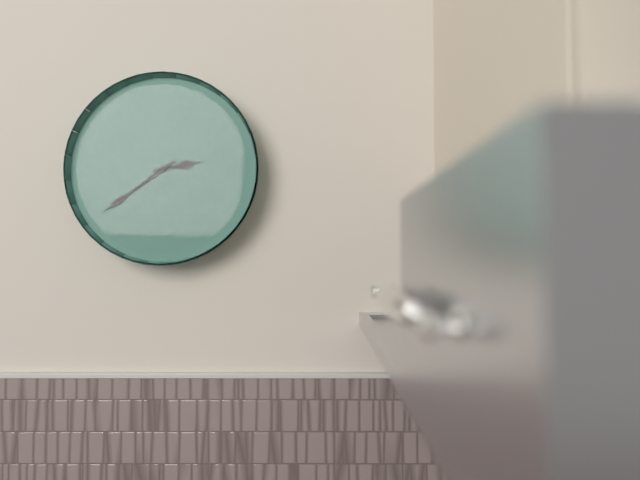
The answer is 2 h 39 min
